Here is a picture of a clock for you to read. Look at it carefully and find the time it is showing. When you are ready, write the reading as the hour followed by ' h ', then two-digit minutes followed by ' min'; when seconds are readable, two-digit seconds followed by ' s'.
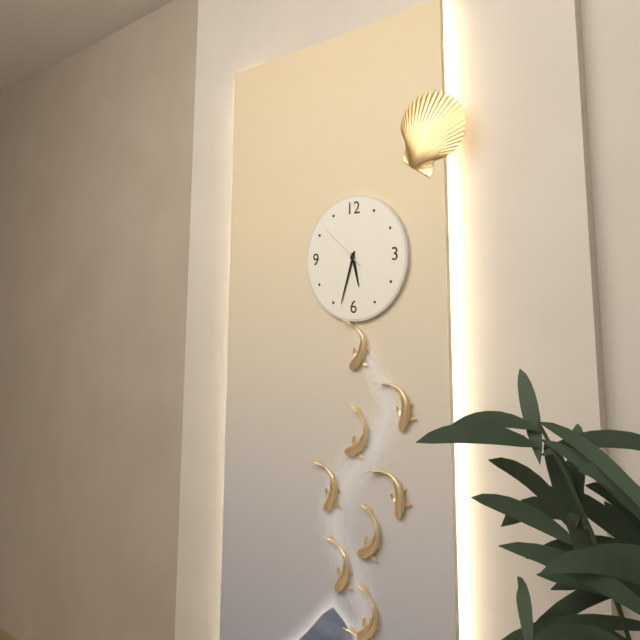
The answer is 5 h 33 min 52 s
